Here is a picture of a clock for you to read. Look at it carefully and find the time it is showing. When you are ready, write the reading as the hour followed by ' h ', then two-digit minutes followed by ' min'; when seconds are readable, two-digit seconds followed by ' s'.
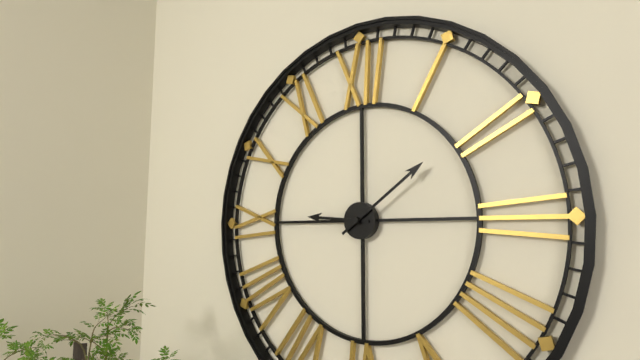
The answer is 9 h 09 min
